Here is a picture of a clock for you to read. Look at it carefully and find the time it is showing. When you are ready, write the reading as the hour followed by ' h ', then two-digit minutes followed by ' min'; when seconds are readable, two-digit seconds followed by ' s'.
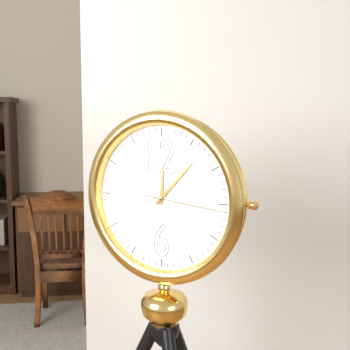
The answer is 12 h 07 min 16 s
